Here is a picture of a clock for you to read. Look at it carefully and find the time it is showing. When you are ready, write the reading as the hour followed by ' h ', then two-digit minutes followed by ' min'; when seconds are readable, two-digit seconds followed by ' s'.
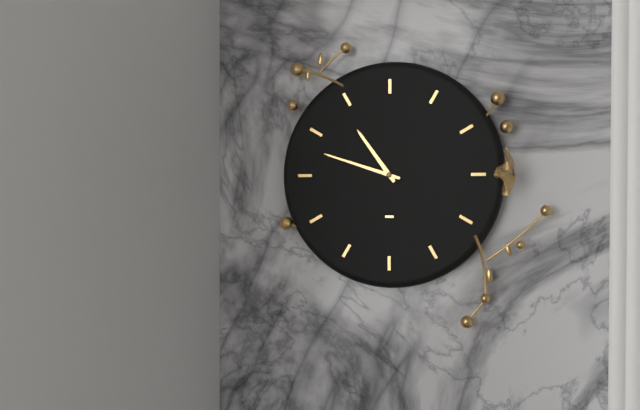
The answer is 10 h 48 min
